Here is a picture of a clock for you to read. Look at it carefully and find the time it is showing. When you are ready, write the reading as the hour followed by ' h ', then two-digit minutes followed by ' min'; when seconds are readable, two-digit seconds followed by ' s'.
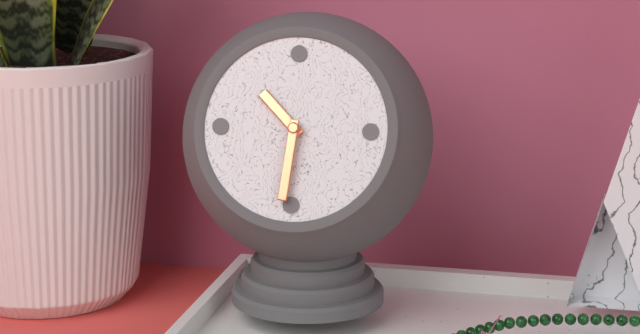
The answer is 10 h 31 min
